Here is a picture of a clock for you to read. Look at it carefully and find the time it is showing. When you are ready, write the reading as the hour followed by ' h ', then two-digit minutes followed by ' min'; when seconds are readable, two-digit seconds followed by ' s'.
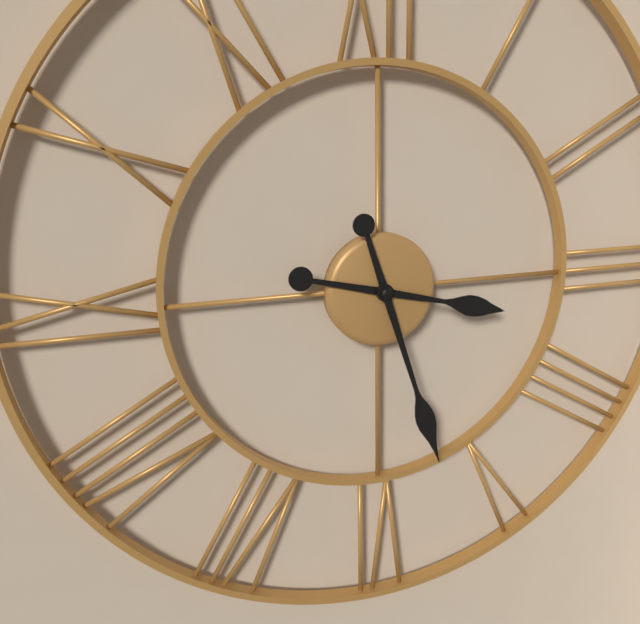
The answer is 3 h 27 min
